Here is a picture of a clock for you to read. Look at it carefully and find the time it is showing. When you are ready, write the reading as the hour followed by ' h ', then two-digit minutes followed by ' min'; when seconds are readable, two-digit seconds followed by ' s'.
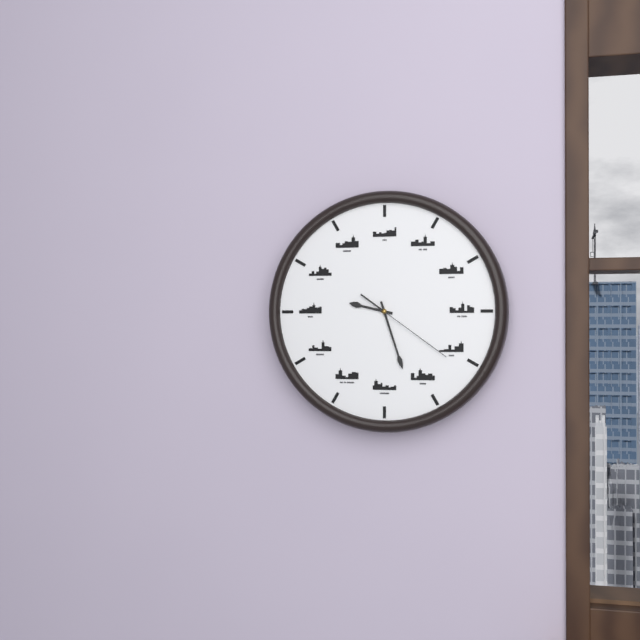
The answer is 9 h 27 min 21 s
